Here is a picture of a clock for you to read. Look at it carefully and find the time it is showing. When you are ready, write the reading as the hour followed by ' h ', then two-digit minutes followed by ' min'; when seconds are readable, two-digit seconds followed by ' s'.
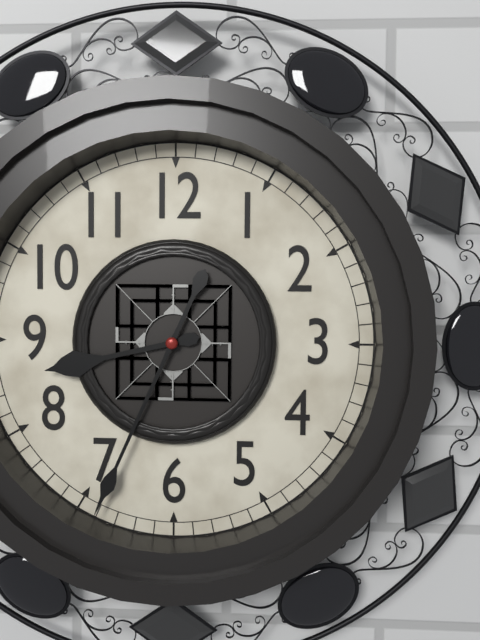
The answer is 8 h 34 min
